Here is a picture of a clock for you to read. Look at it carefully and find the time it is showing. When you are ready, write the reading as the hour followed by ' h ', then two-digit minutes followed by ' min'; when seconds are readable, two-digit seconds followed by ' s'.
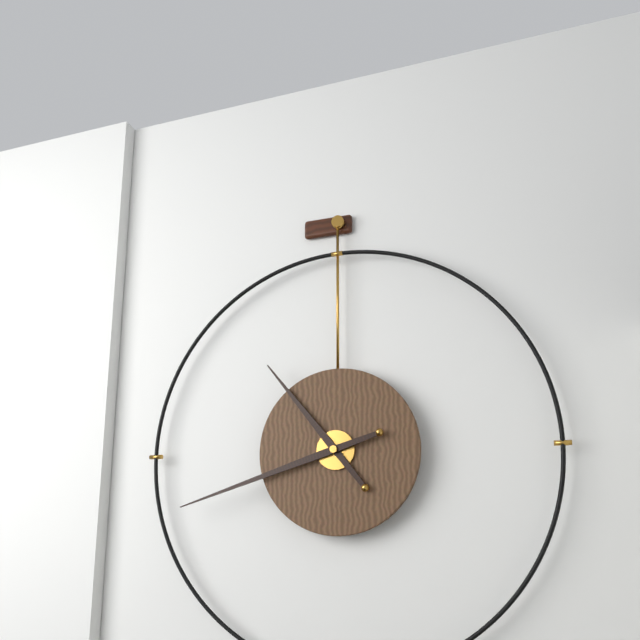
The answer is 10 h 42 min
